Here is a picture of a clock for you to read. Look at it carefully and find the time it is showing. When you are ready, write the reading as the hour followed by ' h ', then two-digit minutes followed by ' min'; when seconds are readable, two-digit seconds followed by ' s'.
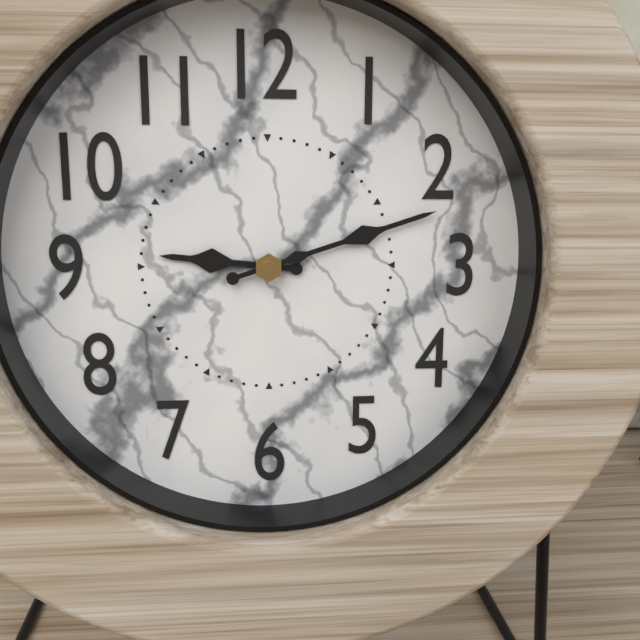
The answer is 9 h 12 min
